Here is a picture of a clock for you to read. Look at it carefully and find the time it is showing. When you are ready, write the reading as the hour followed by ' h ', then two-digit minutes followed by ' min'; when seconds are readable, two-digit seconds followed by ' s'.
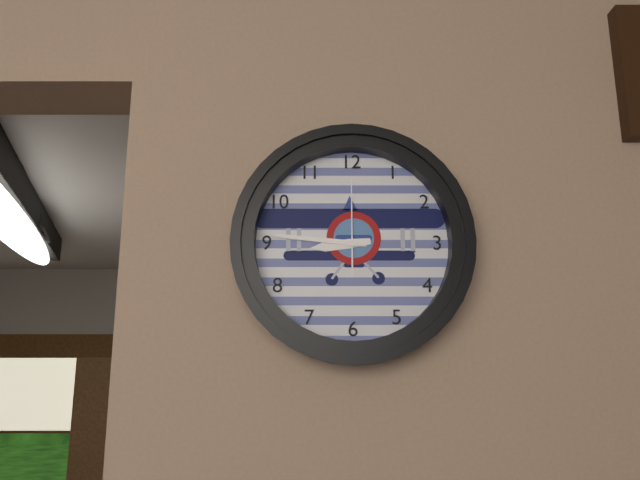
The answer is 8 h 46 min 00 s
